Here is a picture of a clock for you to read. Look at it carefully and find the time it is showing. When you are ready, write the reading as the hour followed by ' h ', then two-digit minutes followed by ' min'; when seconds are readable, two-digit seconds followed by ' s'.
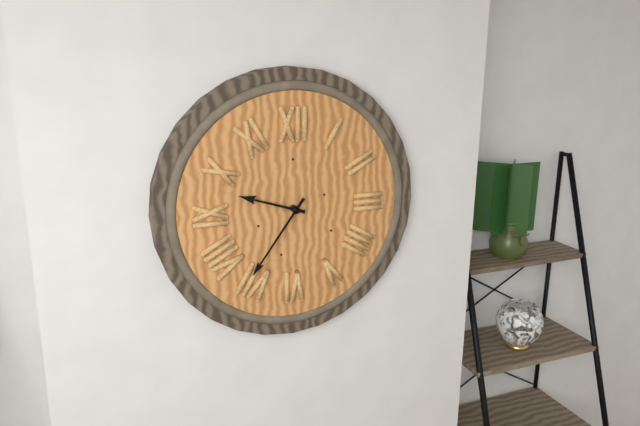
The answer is 9 h 36 min
